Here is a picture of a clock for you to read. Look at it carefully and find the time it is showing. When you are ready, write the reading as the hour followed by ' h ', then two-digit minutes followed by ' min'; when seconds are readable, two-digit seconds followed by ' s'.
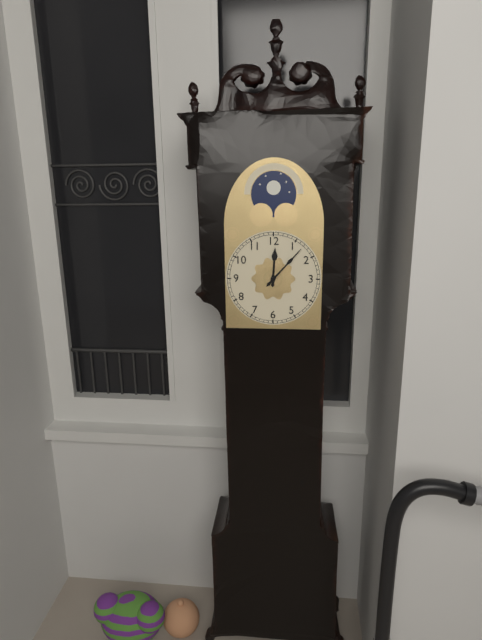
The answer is 12 h 07 min
